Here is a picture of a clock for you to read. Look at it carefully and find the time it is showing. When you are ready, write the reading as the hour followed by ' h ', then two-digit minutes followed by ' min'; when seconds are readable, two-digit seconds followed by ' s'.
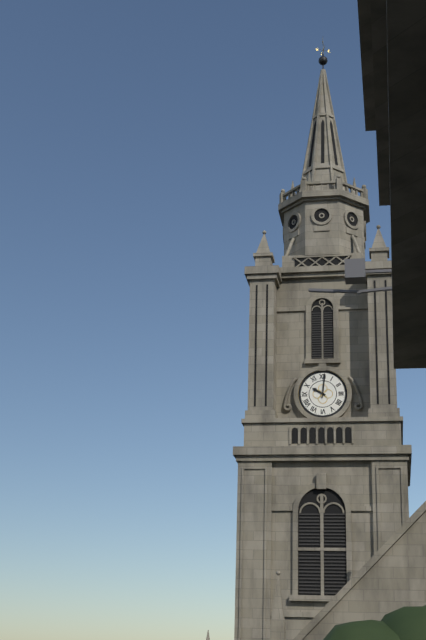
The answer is 10 h 01 min
